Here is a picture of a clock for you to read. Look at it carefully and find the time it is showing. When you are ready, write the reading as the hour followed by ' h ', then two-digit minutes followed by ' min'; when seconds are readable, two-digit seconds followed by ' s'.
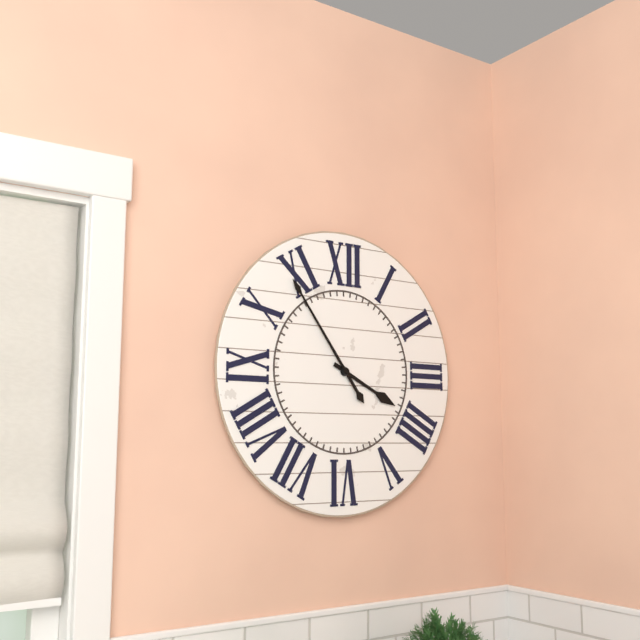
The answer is 3 h 54 min
